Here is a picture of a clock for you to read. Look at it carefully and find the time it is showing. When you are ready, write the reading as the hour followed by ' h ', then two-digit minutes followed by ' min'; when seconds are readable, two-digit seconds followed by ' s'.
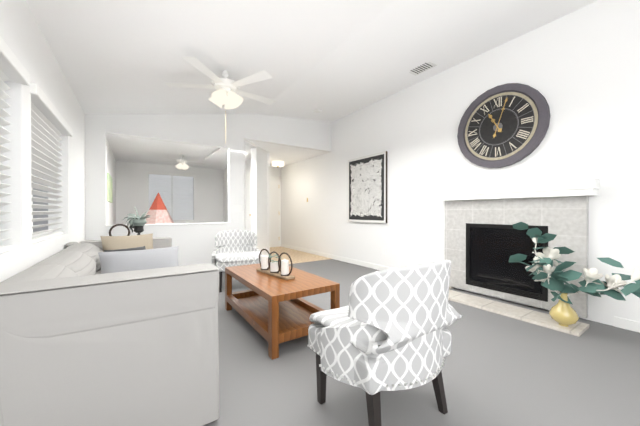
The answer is 11 h 03 min
